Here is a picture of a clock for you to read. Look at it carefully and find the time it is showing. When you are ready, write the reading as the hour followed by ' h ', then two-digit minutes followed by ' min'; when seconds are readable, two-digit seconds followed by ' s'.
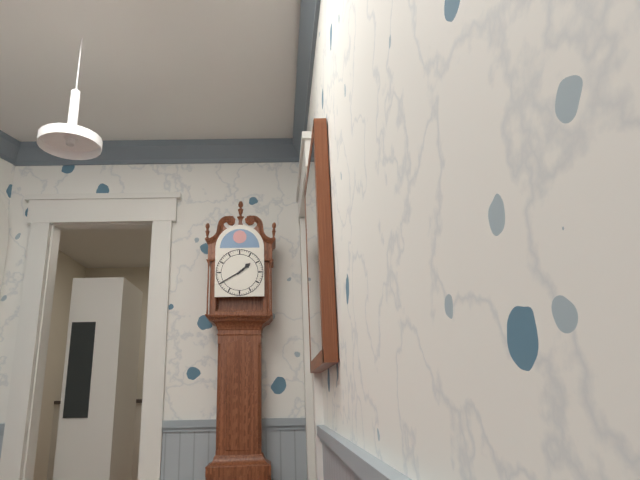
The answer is 1 h 40 min
